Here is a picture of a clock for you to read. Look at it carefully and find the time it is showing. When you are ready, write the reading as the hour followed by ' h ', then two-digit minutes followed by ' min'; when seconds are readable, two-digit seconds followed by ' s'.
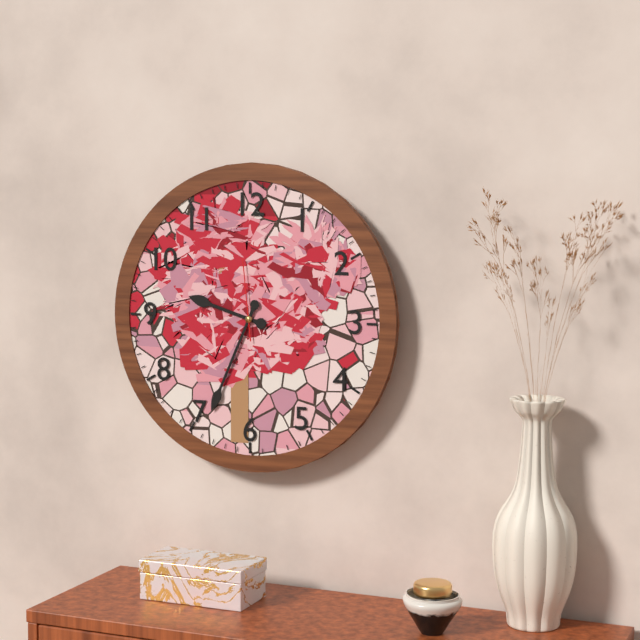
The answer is 9 h 34 min 59 s
